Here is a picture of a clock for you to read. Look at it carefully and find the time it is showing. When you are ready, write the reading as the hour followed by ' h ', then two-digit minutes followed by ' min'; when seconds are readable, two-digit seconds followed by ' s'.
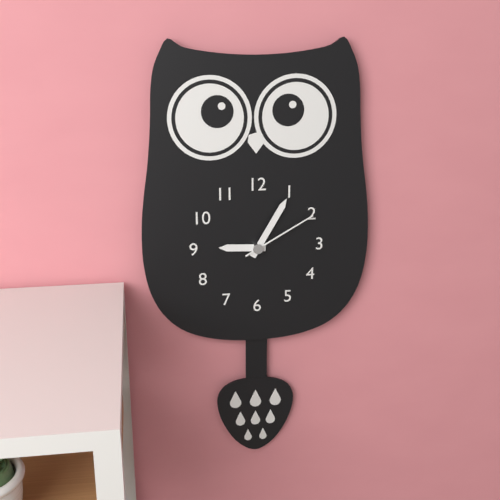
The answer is 9 h 05 min 10 s
